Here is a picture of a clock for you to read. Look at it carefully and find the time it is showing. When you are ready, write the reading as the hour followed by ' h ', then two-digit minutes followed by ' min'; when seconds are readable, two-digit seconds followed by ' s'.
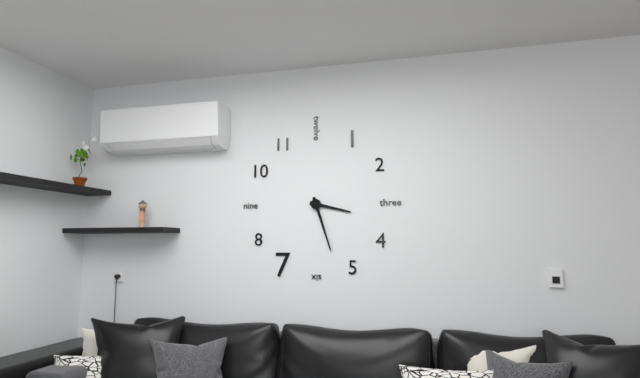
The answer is 3 h 27 min
